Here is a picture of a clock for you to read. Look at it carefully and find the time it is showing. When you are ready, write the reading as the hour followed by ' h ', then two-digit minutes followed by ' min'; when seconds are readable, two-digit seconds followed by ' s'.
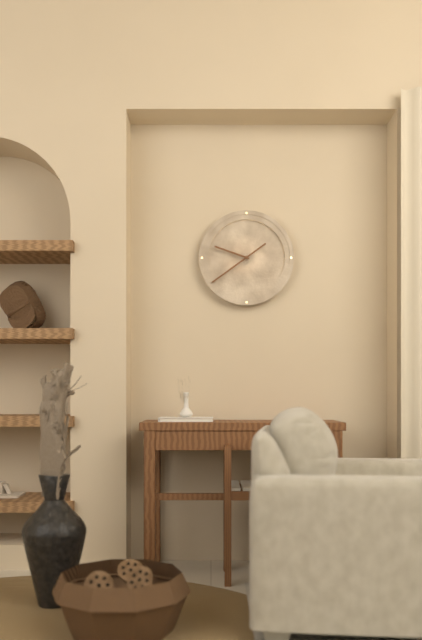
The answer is 9 h 39 min
